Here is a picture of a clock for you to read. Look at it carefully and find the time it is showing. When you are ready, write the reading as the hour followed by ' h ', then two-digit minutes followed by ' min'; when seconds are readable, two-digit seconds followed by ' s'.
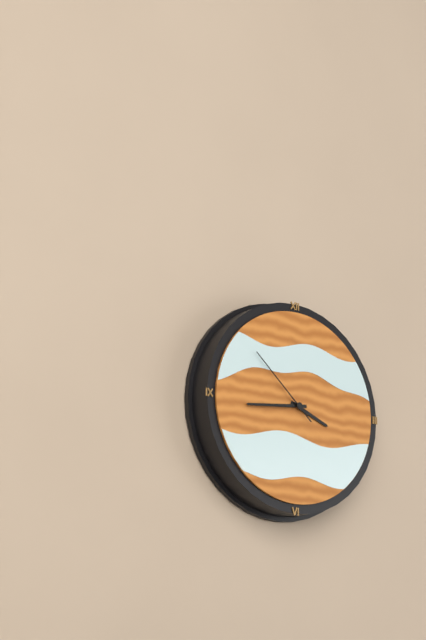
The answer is 3 h 44 min 52 s
